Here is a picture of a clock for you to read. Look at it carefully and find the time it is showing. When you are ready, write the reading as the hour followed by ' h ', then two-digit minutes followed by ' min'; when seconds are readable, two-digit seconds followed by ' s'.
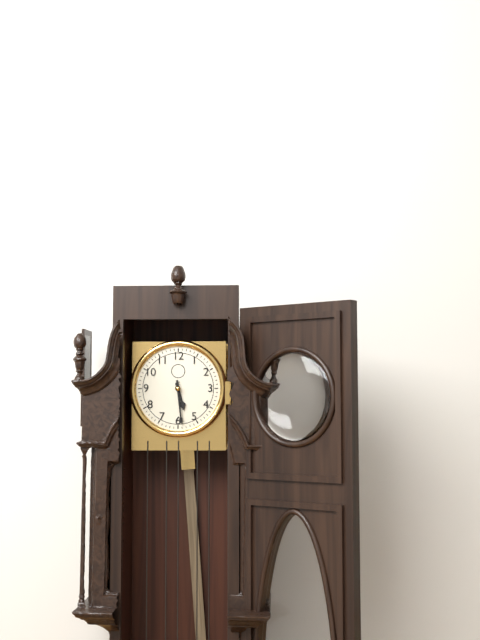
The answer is 5 h 29 min
